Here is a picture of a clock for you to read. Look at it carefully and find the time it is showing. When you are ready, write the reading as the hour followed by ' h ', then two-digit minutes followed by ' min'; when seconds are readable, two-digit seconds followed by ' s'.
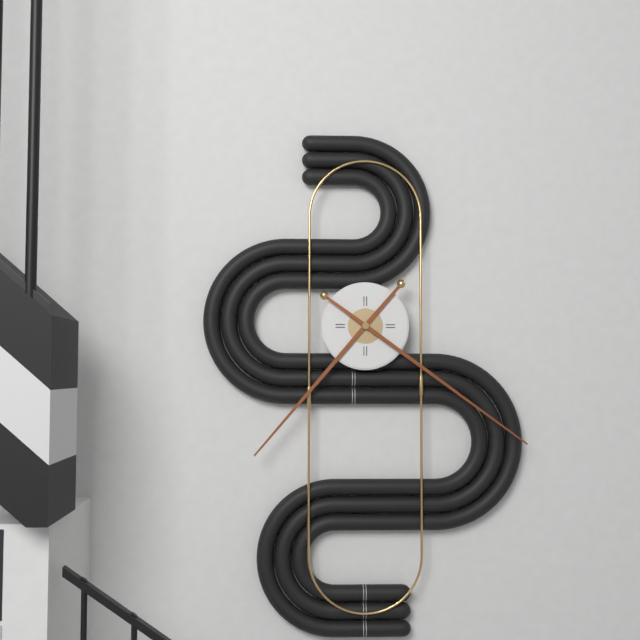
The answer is 7 h 21 min
